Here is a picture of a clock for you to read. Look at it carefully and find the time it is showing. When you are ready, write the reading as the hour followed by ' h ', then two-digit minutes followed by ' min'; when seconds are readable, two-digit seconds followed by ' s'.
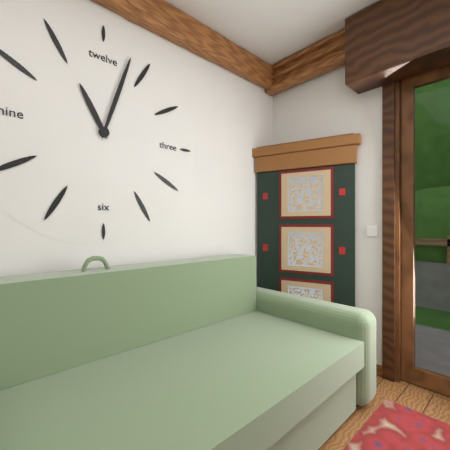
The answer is 11 h 03 min
